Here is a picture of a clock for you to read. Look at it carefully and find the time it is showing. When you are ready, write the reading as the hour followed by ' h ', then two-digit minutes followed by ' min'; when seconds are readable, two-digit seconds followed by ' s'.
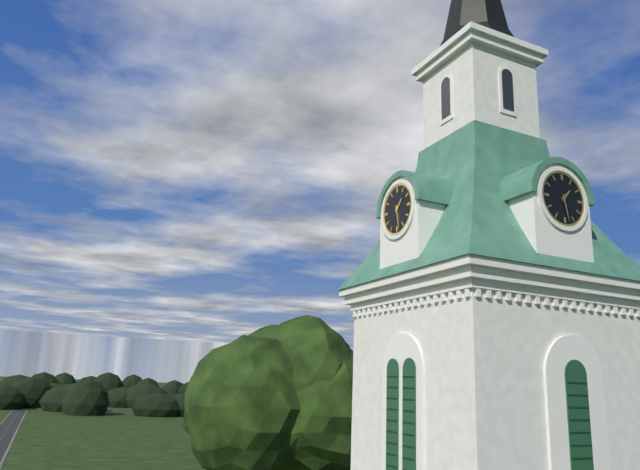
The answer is 1 h 28 min
